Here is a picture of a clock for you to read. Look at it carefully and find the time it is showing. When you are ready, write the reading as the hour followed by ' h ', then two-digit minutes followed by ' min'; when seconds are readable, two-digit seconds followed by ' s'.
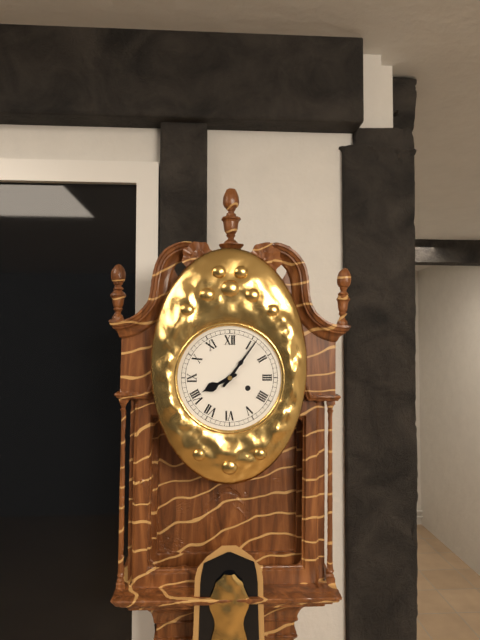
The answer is 8 h 06 min
